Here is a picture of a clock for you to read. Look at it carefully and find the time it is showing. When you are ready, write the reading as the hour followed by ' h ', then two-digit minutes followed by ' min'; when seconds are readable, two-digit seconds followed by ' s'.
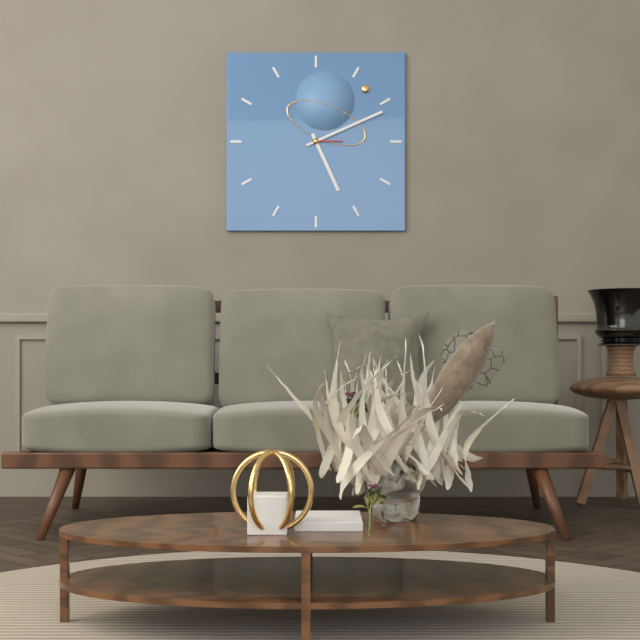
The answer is 5 h 11 min
